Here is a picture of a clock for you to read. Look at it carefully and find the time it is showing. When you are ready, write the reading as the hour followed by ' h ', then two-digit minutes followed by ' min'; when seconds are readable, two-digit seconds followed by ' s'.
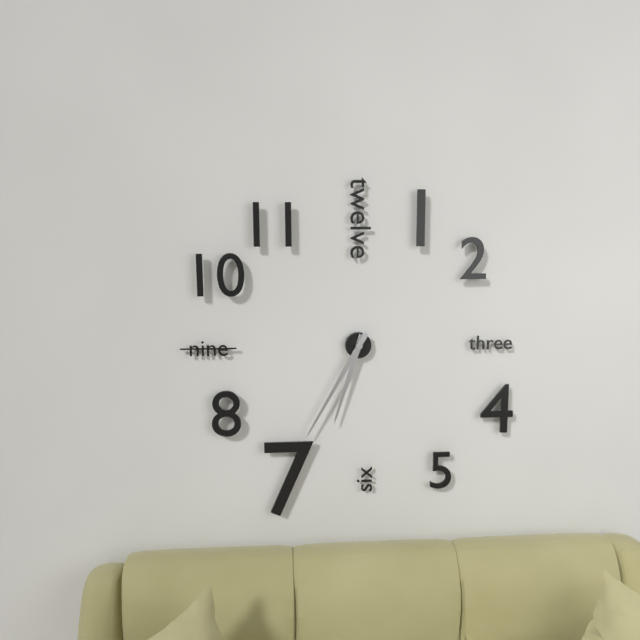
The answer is 6 h 35 min
